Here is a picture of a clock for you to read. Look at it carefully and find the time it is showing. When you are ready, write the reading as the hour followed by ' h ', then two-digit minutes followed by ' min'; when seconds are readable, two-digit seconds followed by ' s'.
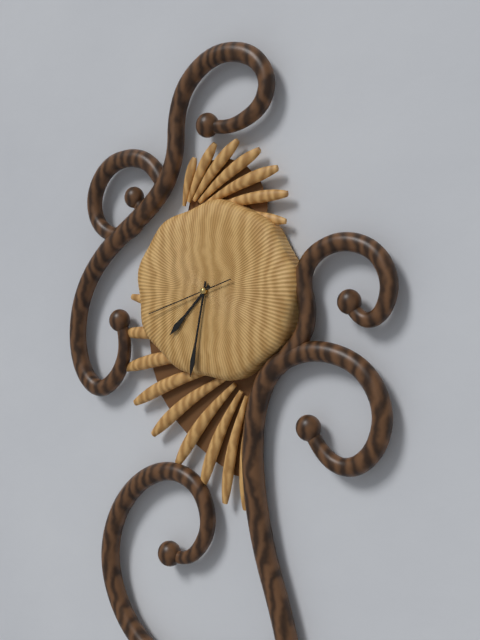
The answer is 7 h 32 min 42 s
